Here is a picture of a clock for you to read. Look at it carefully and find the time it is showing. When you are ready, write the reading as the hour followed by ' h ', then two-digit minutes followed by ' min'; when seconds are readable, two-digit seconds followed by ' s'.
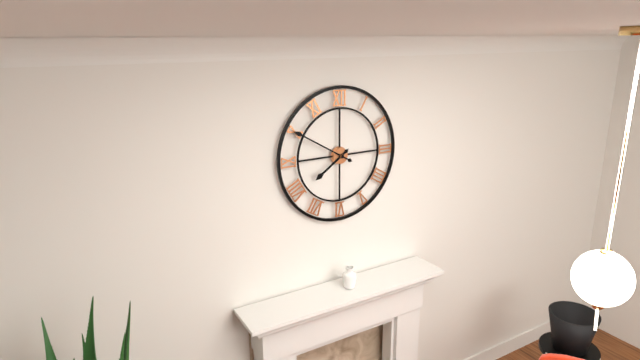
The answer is 7 h 50 min
